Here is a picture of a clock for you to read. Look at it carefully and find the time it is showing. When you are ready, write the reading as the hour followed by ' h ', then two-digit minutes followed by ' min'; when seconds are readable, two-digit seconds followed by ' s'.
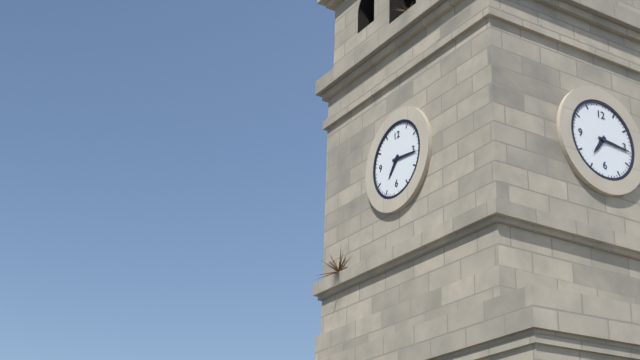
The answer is 7 h 16 min
